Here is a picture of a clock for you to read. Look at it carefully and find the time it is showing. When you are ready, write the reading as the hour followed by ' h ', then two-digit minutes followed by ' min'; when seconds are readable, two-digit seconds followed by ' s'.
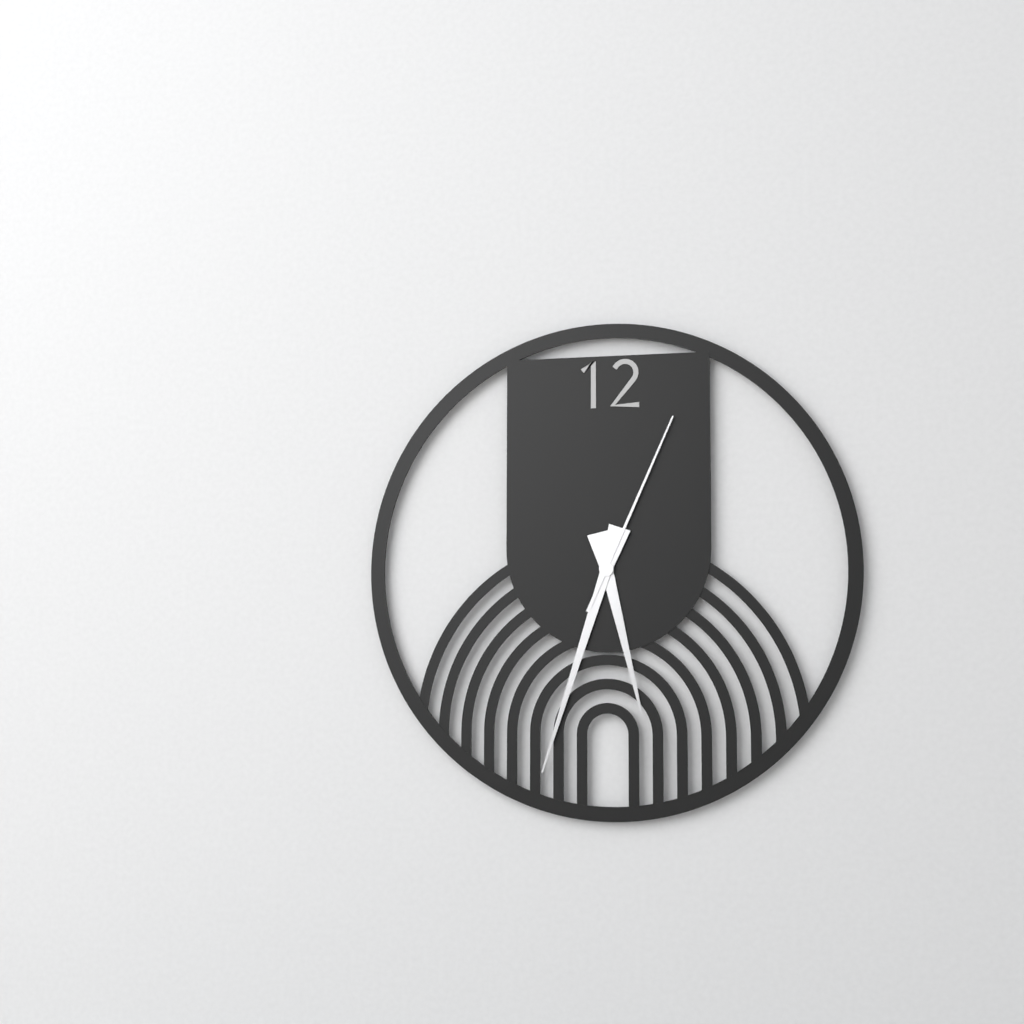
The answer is 5 h 33 min 04 s
